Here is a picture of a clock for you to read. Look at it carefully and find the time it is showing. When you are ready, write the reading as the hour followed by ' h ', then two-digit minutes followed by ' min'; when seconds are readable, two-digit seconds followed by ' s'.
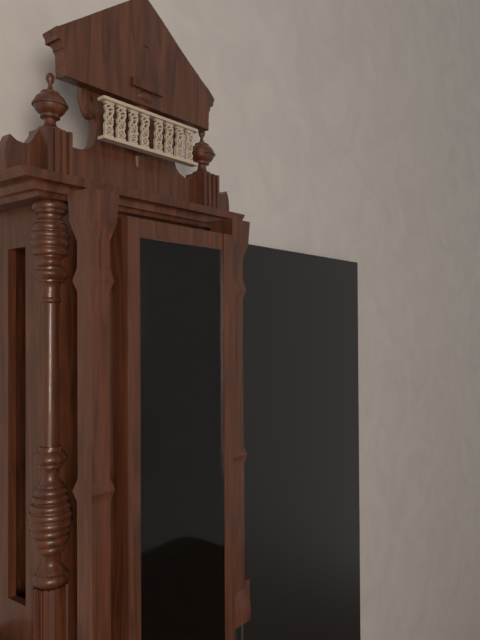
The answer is 4 h 20 min
